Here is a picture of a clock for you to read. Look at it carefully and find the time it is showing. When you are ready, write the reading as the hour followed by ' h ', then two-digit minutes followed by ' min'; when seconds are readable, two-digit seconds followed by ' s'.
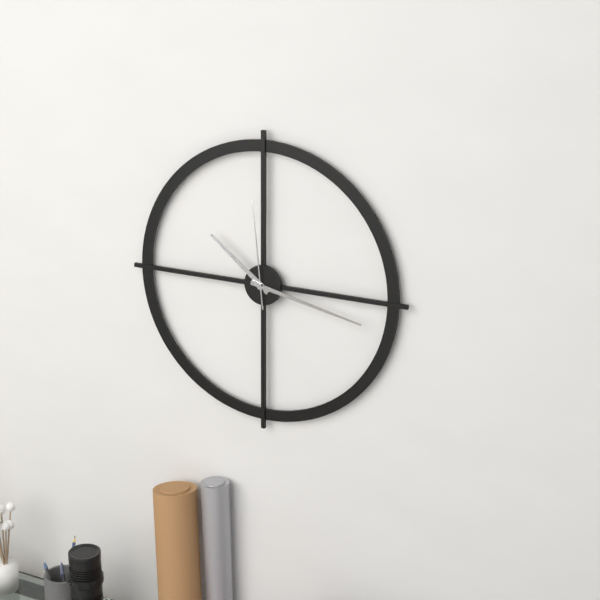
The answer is 10 h 17 min 59 s
